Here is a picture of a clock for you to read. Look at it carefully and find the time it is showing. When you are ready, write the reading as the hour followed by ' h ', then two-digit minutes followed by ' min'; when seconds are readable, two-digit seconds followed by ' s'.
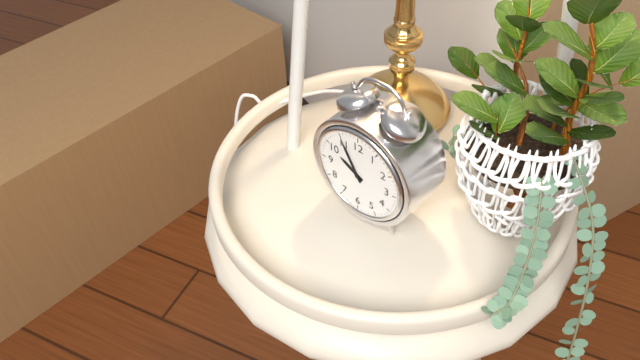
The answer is 9 h 55 min
